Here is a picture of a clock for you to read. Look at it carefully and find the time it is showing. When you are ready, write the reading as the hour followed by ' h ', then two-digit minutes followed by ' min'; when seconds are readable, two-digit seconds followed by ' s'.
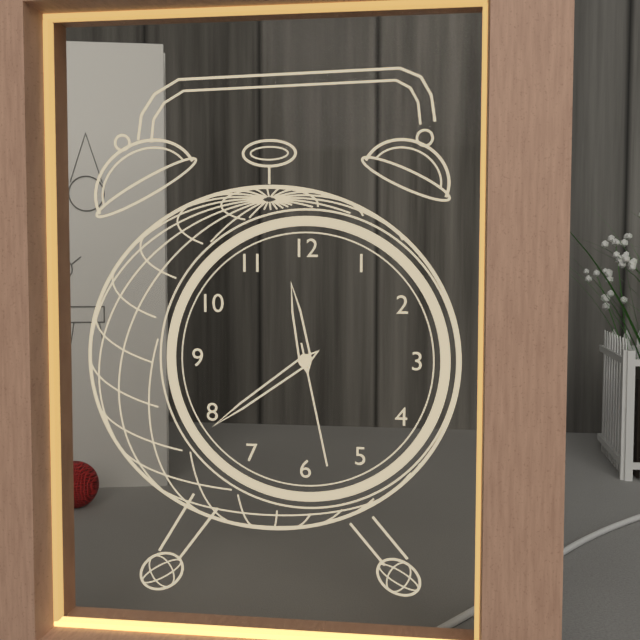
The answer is 11 h 39 min 28 s
